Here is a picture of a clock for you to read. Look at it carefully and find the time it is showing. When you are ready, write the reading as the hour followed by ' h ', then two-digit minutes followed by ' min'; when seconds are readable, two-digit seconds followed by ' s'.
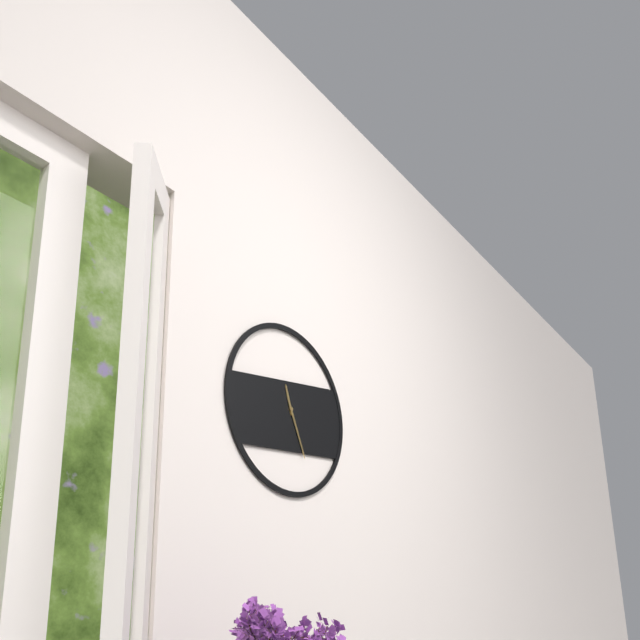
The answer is 11 h 26 min
